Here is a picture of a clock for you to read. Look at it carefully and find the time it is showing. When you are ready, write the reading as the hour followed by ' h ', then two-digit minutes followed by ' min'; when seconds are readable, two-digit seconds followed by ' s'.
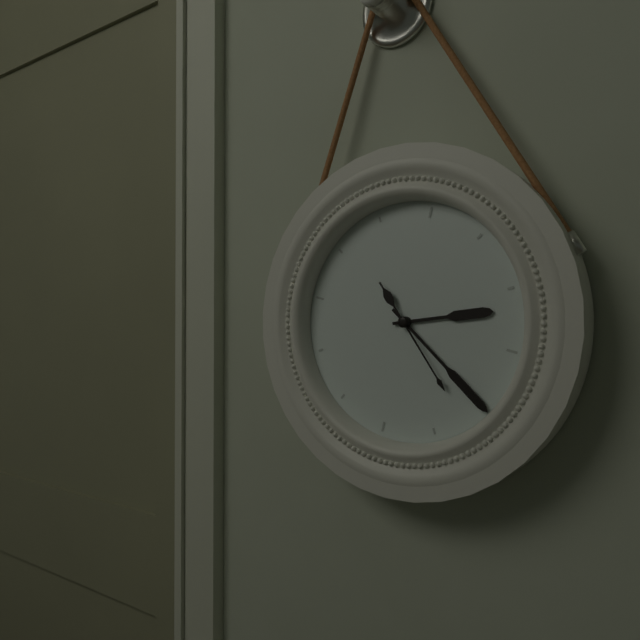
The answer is 2 h 20 min 22 s
